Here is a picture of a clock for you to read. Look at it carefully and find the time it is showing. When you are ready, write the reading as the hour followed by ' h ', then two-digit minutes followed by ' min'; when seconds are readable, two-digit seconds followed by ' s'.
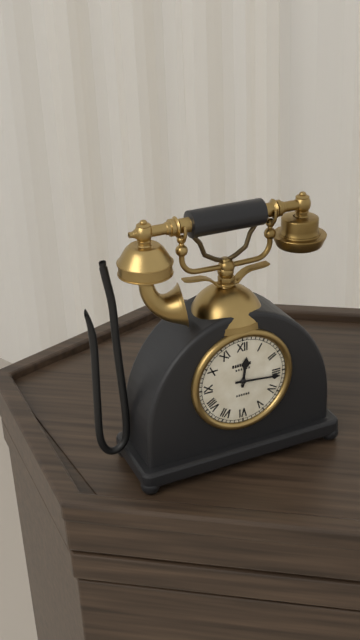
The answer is 12 h 16 min
